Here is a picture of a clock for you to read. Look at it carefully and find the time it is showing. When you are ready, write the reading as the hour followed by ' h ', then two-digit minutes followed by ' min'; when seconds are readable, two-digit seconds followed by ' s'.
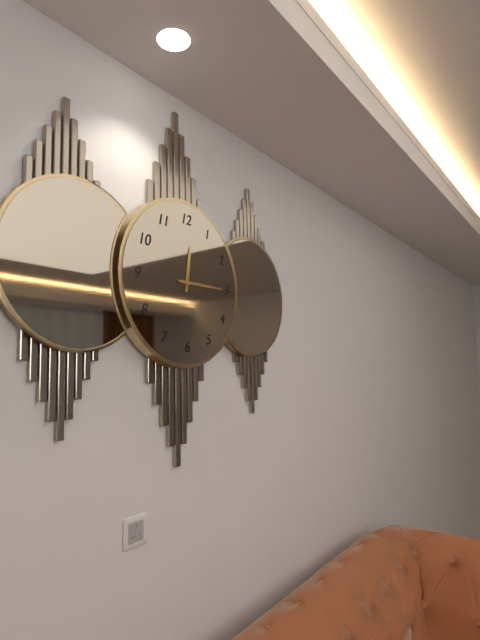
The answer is 12 h 15 min
